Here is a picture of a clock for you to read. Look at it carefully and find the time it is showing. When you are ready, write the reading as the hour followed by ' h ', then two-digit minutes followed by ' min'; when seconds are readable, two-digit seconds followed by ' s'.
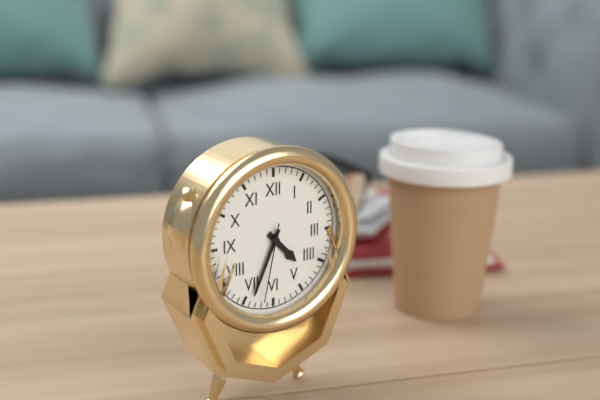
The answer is 4 h 34 min 32 s
